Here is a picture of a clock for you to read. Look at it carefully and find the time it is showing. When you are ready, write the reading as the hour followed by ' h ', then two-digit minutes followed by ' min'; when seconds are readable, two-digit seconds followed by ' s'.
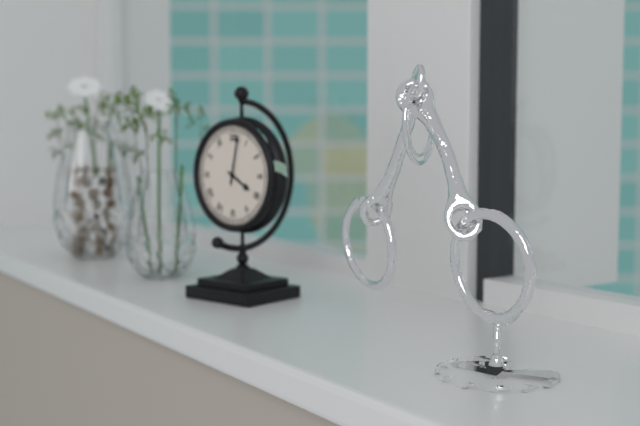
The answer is 4 h 02 min
